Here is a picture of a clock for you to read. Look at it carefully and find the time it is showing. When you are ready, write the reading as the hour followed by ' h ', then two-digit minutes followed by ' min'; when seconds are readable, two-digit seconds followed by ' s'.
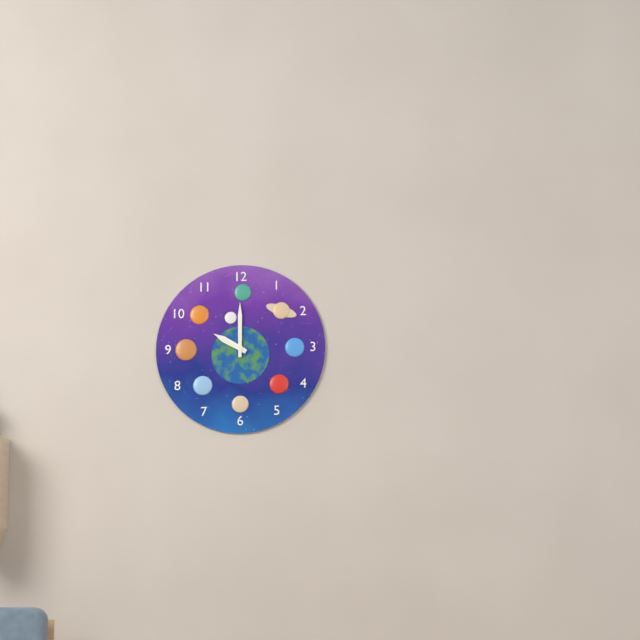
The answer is 10 h 00 min
